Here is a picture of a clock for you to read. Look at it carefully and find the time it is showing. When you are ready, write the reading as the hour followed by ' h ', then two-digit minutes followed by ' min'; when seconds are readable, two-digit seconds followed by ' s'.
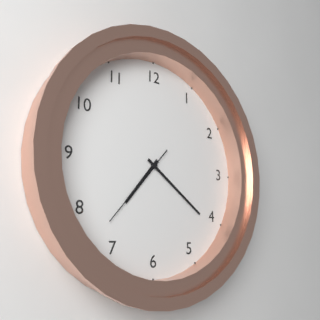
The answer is 7 h 21 min 37 s
